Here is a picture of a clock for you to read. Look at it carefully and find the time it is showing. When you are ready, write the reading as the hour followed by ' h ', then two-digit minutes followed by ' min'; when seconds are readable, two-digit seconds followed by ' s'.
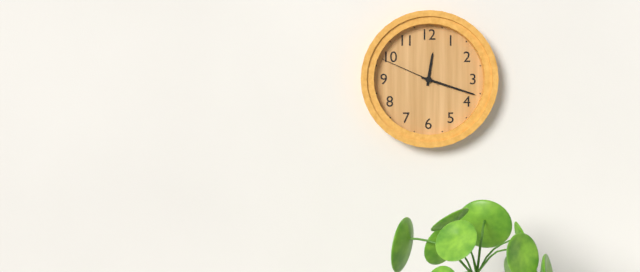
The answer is 12 h 18 min 49 s
